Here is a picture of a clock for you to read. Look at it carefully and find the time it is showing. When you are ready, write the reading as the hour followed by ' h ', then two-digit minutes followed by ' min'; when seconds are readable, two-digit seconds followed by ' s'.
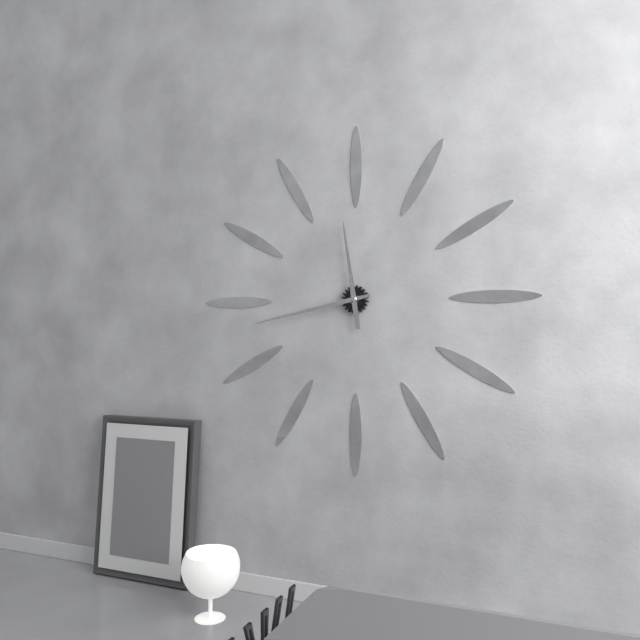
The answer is 11 h 43 min
